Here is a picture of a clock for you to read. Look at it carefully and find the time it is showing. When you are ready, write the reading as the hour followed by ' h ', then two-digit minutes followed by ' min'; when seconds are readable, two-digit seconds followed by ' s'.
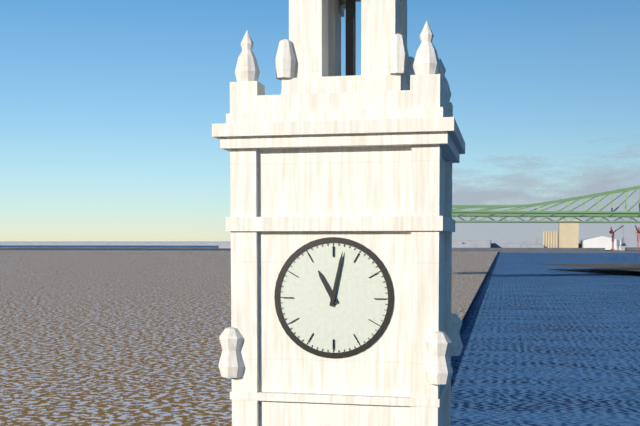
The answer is 11 h 02 min
